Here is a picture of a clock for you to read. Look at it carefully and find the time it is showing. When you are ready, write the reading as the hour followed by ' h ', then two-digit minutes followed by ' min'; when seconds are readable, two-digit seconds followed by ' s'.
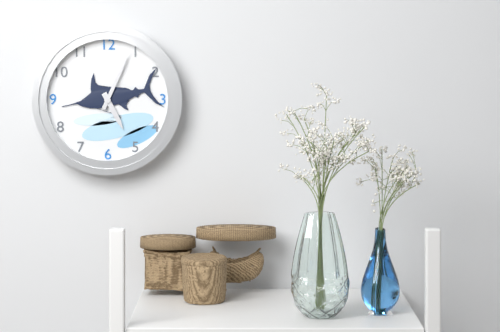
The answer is 5 h 04 min
